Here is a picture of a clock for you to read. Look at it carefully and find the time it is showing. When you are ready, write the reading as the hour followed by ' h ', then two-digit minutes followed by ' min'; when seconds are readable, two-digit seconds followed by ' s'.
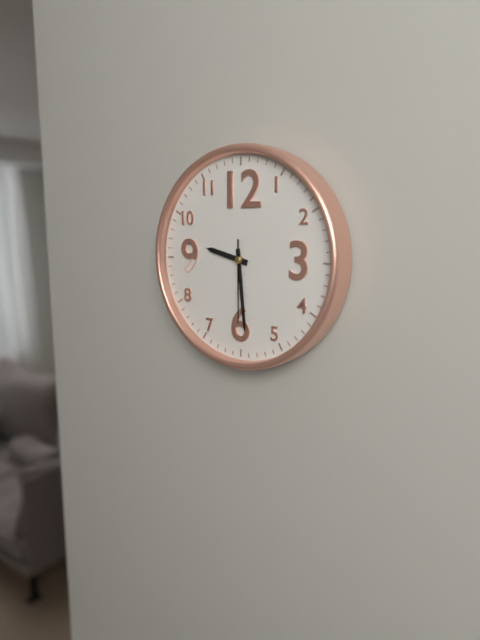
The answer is 9 h 29 min 30 s
